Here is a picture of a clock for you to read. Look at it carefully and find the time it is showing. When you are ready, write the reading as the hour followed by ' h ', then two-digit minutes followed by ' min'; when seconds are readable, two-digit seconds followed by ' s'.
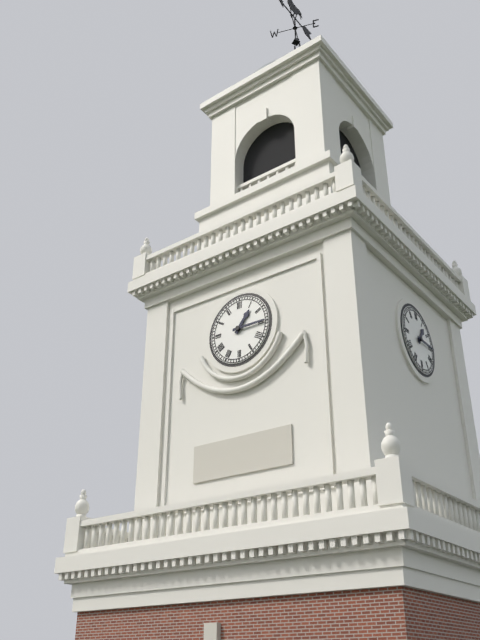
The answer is 1 h 15 min
